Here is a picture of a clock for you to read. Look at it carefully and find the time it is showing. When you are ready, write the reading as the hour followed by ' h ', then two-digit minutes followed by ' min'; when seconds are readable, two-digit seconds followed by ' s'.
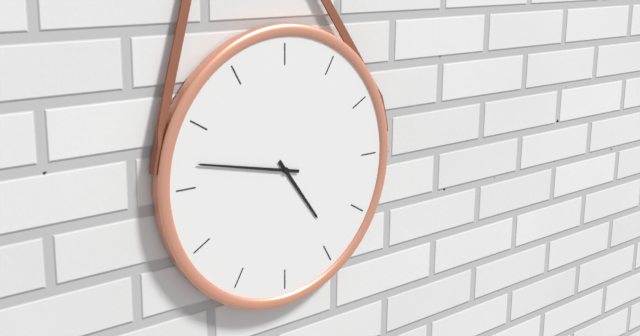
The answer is 4 h 47 min
